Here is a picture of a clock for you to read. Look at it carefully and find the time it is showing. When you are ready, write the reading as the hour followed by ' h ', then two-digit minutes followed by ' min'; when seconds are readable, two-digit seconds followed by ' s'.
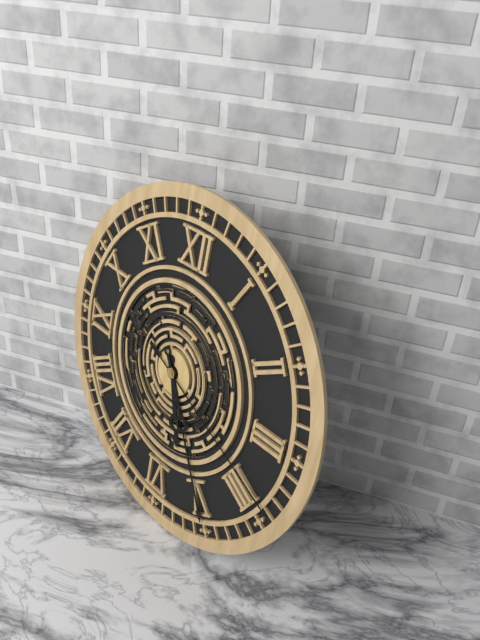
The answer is 5 h 25 min 19 s
